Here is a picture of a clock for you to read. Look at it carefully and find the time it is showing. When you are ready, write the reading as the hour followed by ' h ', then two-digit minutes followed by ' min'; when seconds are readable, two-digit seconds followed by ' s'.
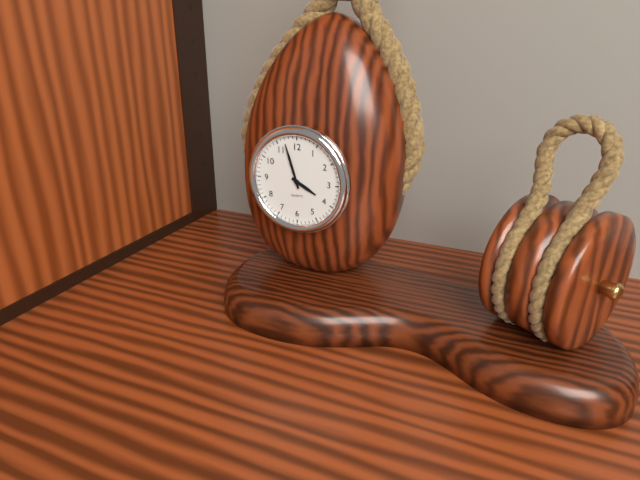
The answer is 3 h 57 min
